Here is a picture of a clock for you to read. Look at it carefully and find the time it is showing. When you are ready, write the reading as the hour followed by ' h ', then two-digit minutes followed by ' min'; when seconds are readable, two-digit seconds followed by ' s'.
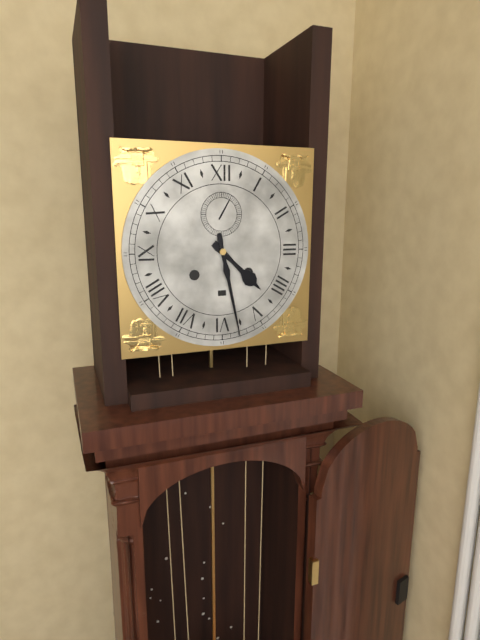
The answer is 4 h 28 min
